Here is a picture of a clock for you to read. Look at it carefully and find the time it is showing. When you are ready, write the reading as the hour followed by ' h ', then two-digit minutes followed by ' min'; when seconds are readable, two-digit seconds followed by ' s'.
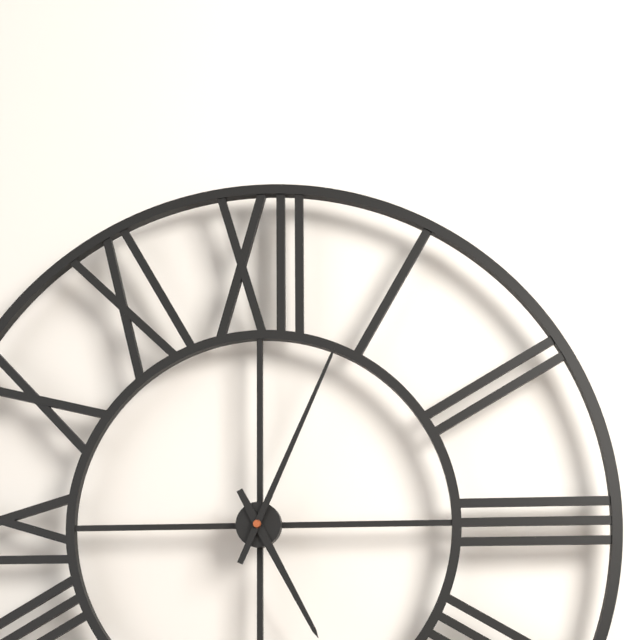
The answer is 5 h 04 min
